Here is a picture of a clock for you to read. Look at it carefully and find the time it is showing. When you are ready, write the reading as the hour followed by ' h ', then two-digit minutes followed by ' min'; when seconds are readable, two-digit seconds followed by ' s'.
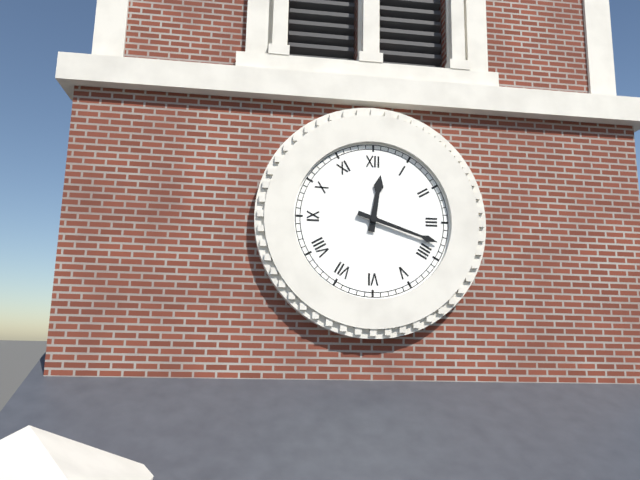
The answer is 12 h 18 min
